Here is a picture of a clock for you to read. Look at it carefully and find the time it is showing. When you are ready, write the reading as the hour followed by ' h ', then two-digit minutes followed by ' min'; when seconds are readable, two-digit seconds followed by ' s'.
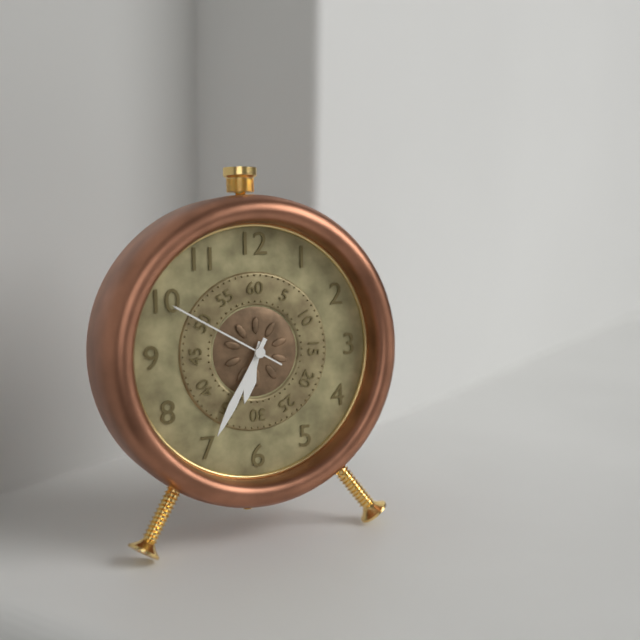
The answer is 6 h 35 min 50 s
